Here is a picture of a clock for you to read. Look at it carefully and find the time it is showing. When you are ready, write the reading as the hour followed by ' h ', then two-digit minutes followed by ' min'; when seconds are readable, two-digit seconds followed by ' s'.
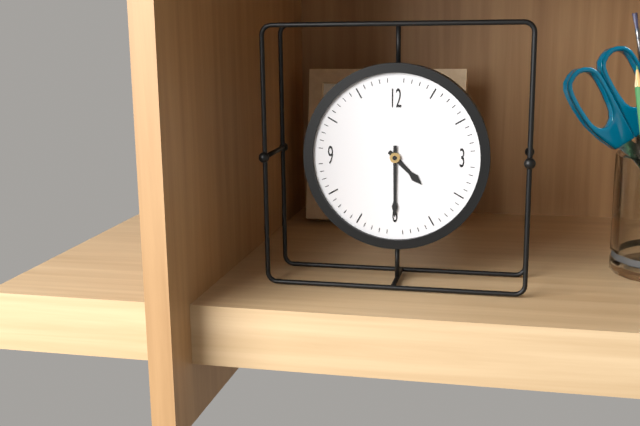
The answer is 4 h 30 min
